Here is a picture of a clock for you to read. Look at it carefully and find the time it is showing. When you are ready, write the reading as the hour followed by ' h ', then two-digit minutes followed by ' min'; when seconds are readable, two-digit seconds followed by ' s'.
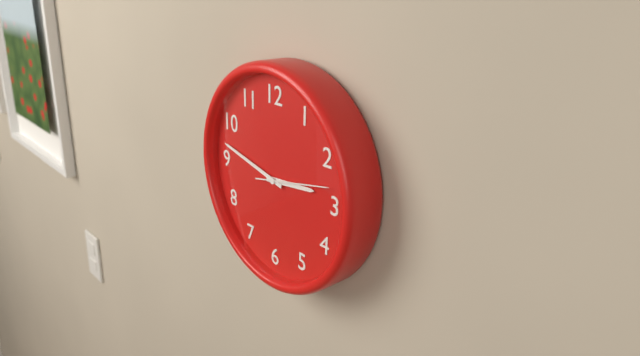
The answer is 2 h 47 min 13 s
